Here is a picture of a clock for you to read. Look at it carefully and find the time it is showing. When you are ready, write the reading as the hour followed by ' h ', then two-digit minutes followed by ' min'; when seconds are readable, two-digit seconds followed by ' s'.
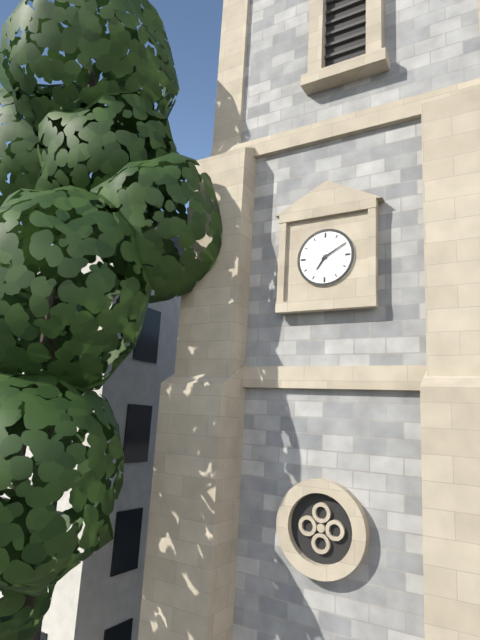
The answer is 7 h 10 min
